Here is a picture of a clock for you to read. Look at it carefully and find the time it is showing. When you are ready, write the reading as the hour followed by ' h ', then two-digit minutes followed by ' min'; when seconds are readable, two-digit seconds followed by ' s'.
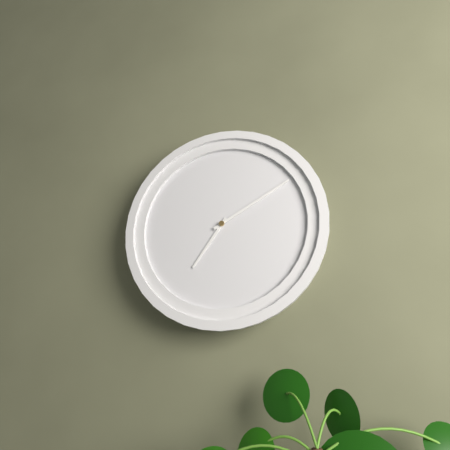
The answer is 7 h 10 min
